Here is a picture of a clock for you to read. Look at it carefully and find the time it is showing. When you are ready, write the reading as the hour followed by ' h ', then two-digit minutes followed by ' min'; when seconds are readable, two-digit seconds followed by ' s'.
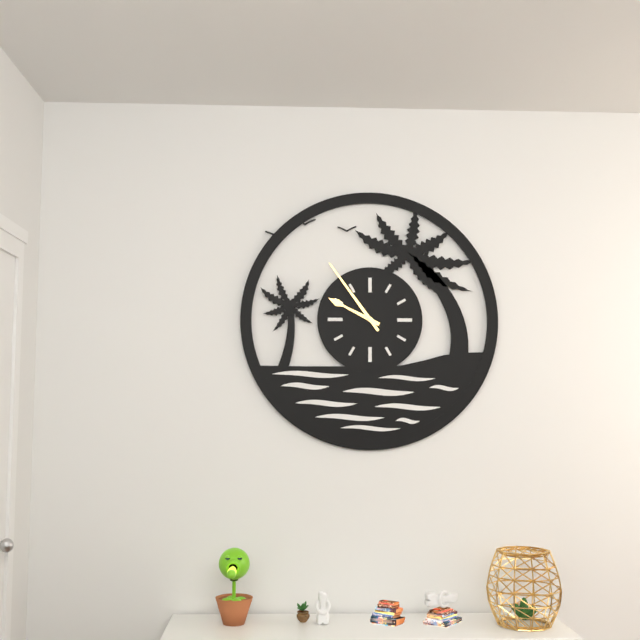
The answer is 9 h 54 min
